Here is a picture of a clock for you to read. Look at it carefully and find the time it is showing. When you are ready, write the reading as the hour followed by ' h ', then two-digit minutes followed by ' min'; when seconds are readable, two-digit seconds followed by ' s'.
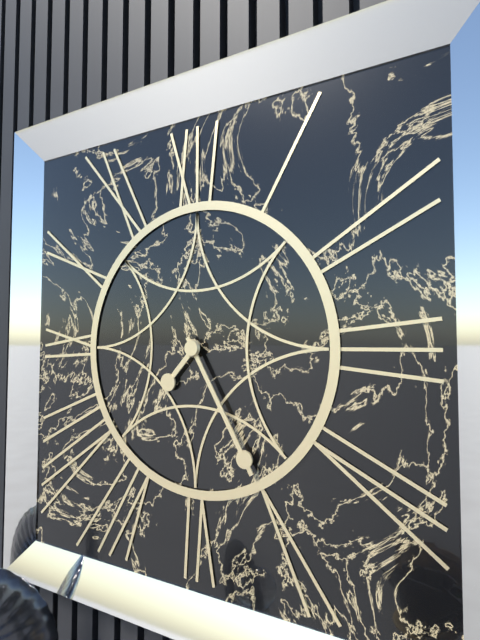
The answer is 7 h 25 min
